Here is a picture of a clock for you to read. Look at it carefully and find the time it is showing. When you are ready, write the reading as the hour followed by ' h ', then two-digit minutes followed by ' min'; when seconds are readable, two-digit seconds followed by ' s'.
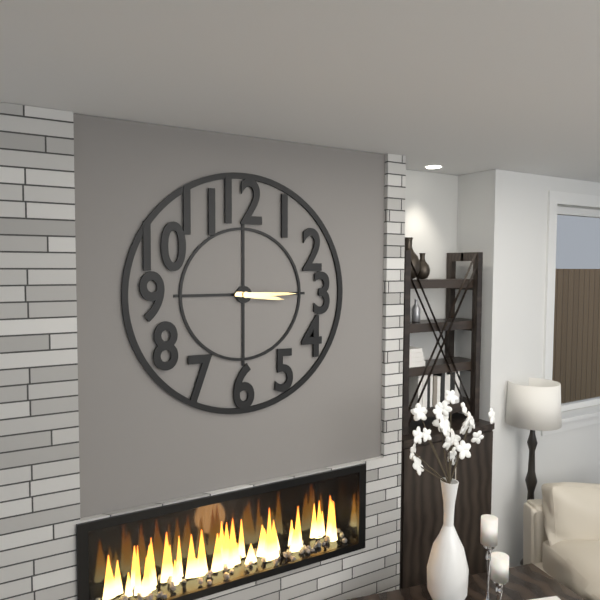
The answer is 3 h 15 min
